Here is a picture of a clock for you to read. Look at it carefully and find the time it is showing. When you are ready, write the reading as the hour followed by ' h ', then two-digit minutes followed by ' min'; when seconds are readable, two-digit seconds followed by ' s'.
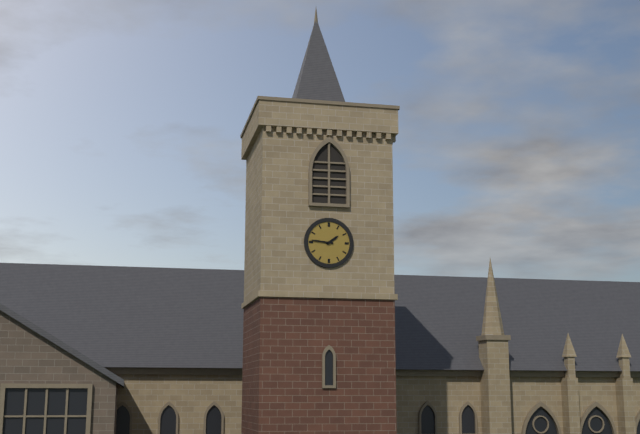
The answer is 1 h 46 min
